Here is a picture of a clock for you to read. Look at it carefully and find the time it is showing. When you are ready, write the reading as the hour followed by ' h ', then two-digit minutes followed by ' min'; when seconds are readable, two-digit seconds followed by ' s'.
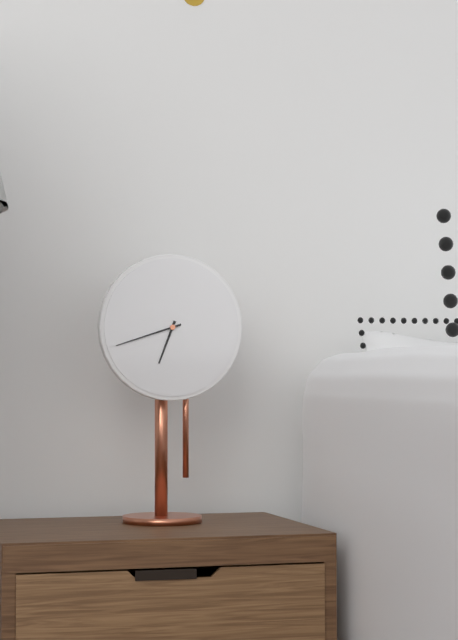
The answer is 6 h 42 min
